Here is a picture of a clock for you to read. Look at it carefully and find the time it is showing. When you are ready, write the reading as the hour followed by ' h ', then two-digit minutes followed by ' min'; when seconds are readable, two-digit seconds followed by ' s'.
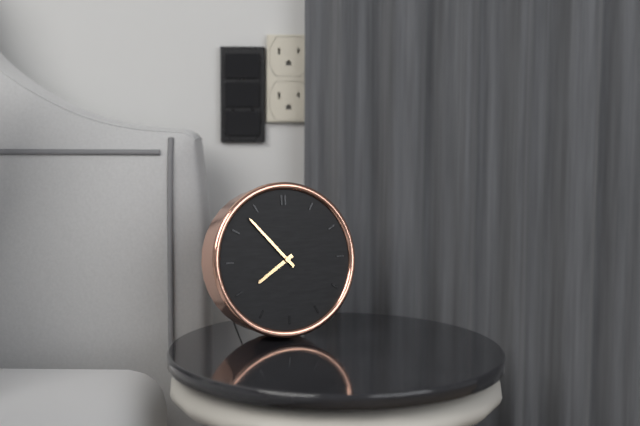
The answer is 7 h 53 min
